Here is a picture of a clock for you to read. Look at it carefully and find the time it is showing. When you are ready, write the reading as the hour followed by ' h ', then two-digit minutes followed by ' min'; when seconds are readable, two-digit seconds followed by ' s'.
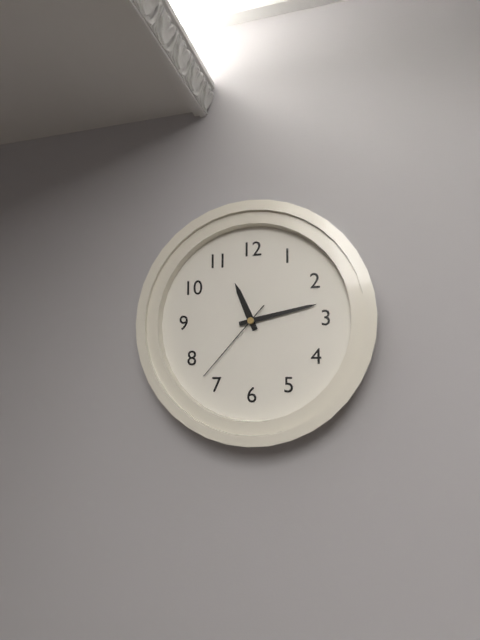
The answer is 11 h 13 min 37 s
